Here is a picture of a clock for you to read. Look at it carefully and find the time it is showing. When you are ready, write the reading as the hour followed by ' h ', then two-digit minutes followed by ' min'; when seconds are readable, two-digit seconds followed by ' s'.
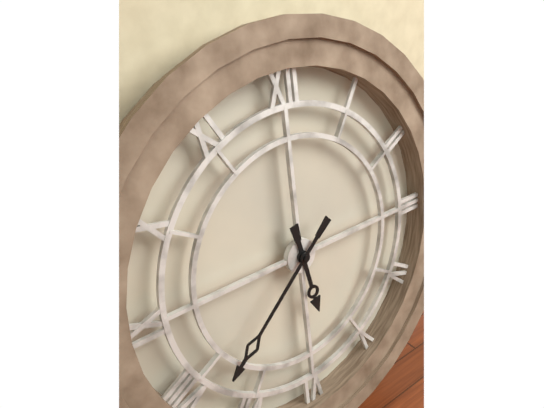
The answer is 5 h 38 min
